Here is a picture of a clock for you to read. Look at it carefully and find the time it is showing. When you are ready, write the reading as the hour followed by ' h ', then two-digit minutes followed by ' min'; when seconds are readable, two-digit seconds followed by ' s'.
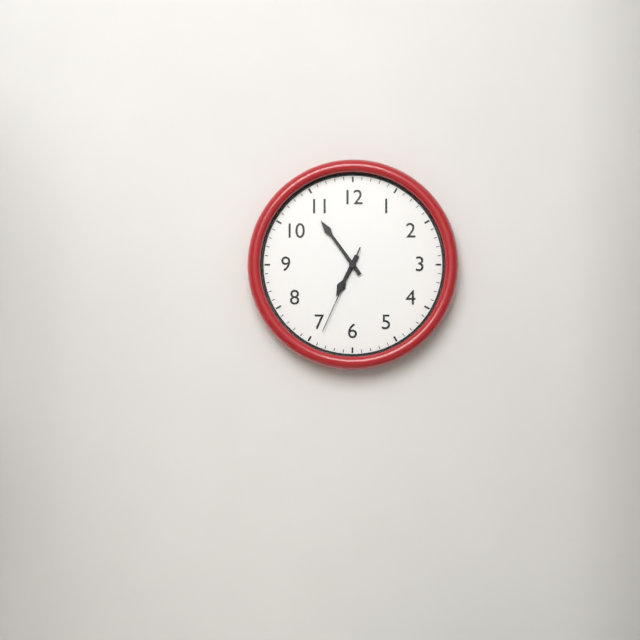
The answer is 6 h 54 min 34 s
